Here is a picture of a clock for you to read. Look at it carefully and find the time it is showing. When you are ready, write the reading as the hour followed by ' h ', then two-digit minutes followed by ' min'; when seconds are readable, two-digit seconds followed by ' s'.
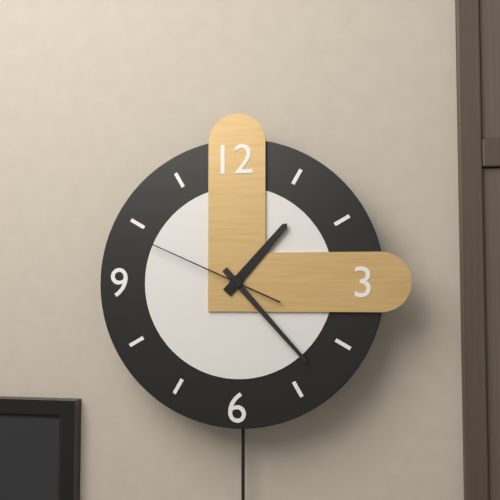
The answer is 1 h 23 min 49 s
